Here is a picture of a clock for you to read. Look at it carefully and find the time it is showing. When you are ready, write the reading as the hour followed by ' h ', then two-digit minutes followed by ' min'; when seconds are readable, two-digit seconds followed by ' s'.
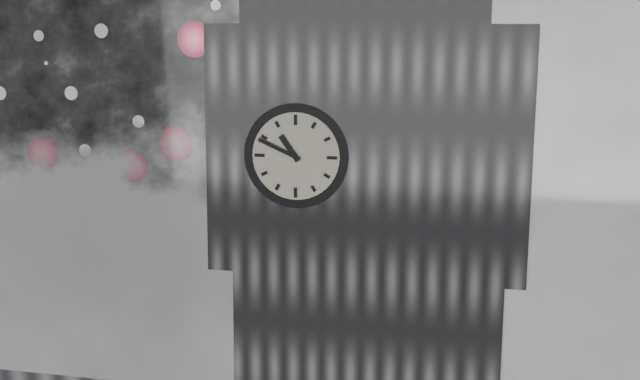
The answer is 10 h 49 min
